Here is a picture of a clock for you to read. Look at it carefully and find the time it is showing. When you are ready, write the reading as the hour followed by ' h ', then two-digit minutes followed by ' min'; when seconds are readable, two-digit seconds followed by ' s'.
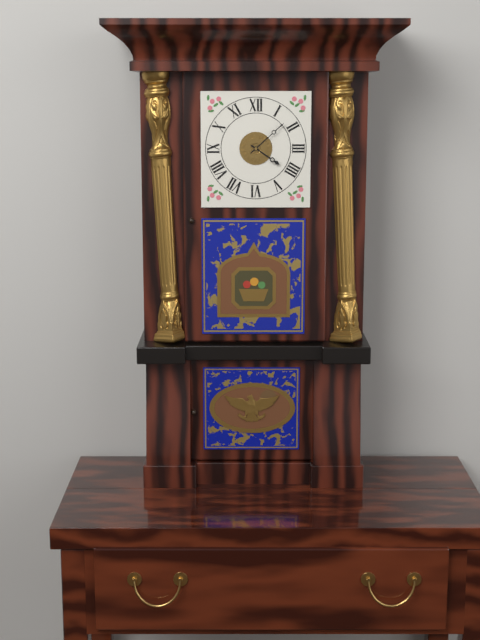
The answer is 4 h 08 min
